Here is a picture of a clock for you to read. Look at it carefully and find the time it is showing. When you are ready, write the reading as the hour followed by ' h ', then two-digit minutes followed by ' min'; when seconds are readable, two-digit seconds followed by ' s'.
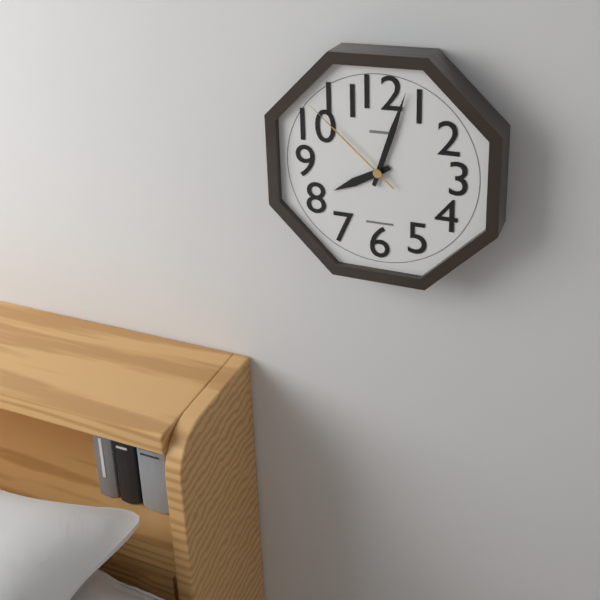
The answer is 8 h 03 min 52 s
